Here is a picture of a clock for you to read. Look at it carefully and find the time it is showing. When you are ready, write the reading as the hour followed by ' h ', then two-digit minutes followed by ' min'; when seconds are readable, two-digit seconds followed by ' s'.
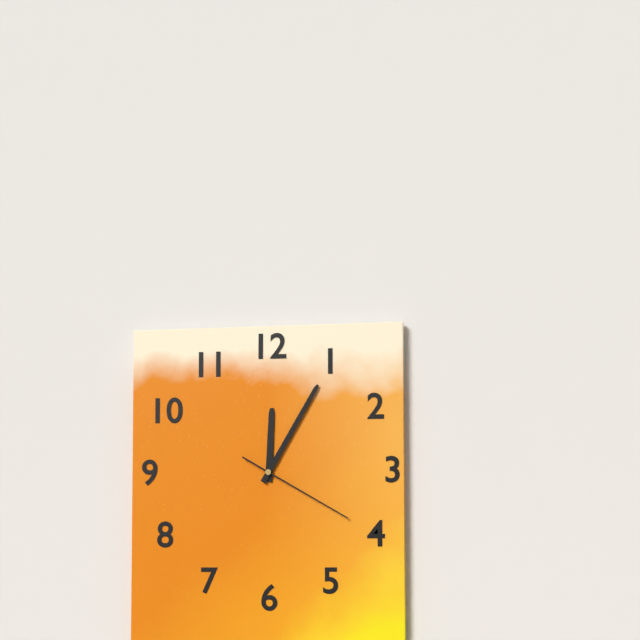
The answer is 12 h 05 min 20 s
